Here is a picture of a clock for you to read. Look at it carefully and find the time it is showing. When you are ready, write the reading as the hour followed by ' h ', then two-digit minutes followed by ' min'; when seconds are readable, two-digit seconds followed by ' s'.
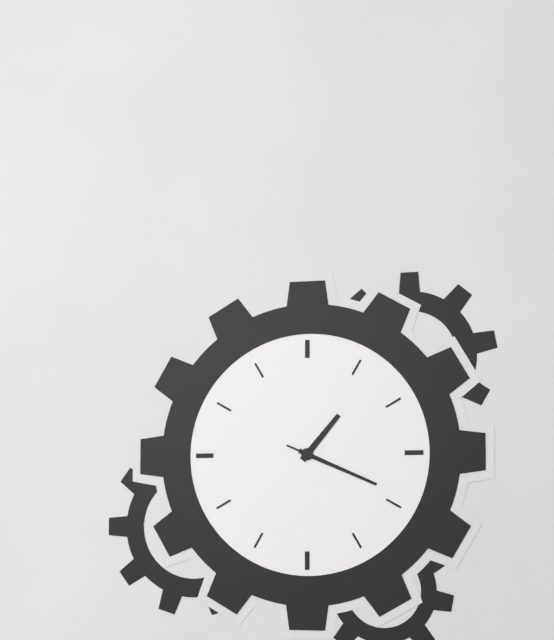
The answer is 1 h 19 min 19 s
